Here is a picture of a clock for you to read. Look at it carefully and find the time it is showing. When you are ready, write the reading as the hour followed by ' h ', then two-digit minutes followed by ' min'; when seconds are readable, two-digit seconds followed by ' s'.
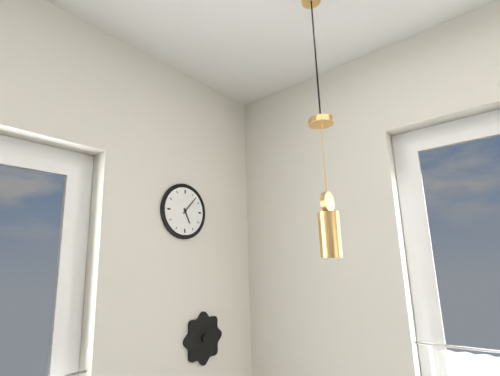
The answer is 5 h 07 min
